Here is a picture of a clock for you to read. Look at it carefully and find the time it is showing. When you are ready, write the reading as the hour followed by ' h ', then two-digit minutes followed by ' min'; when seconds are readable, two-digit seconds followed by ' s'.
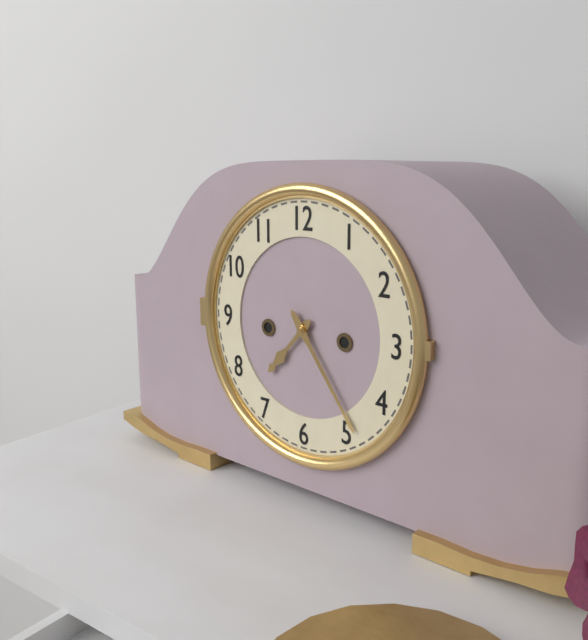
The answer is 7 h 24 min
